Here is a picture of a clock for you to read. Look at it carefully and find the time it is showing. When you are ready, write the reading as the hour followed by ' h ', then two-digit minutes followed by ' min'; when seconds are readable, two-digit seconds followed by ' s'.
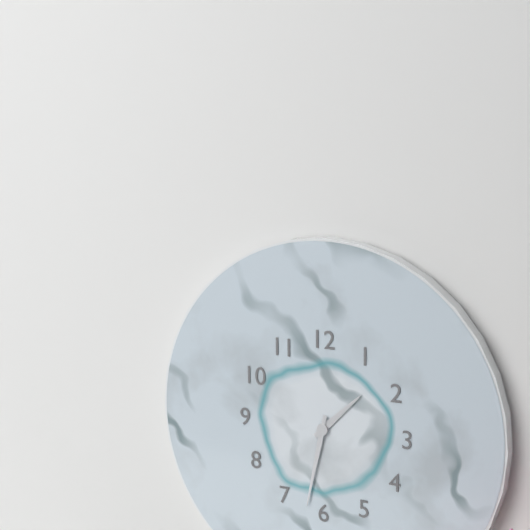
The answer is 1 h 32 min
